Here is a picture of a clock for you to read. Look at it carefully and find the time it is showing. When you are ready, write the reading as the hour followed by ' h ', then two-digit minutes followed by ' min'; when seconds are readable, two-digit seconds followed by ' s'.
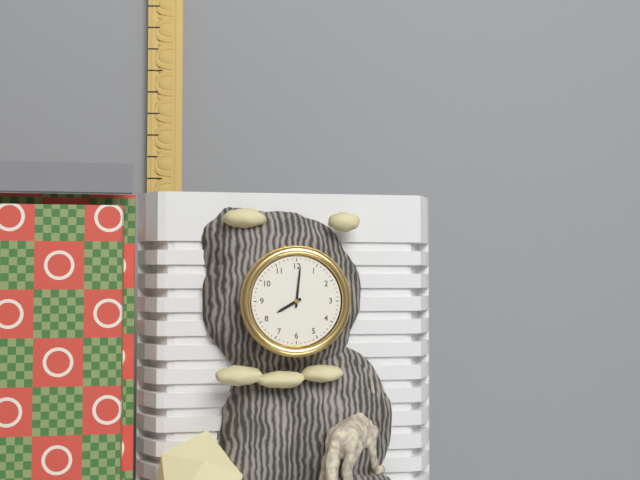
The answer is 8 h 01 min
